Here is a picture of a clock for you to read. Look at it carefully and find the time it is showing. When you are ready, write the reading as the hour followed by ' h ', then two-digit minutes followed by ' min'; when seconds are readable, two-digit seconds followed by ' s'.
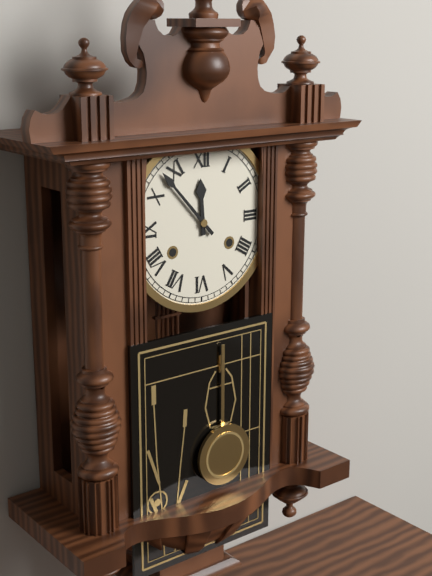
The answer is 11 h 53 min
